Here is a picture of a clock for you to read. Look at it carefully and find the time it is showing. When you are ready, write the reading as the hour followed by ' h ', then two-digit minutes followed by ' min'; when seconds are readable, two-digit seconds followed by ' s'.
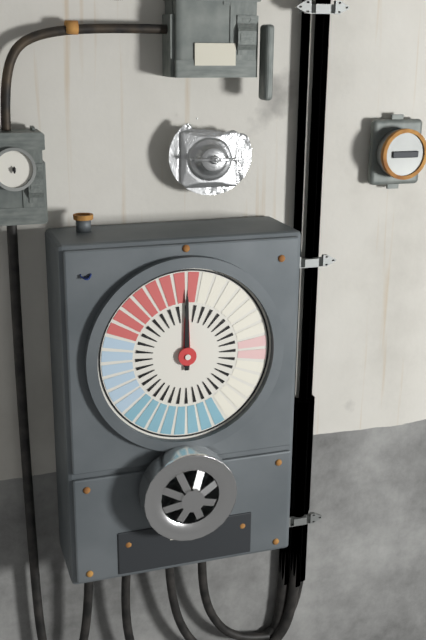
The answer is 12 h 00 min
